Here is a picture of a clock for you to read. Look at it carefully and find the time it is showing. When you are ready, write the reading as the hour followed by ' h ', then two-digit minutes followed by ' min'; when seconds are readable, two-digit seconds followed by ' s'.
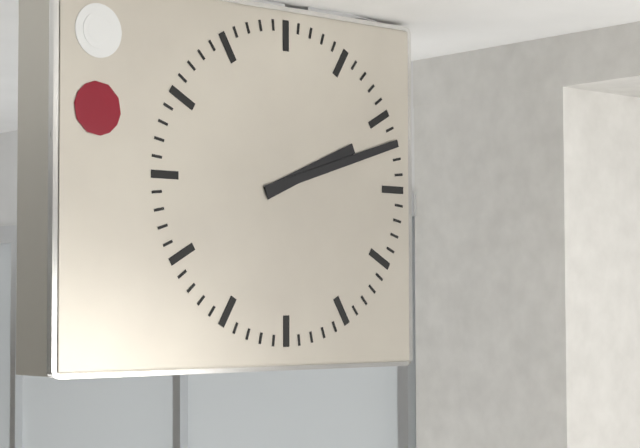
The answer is 2 h 12 min
